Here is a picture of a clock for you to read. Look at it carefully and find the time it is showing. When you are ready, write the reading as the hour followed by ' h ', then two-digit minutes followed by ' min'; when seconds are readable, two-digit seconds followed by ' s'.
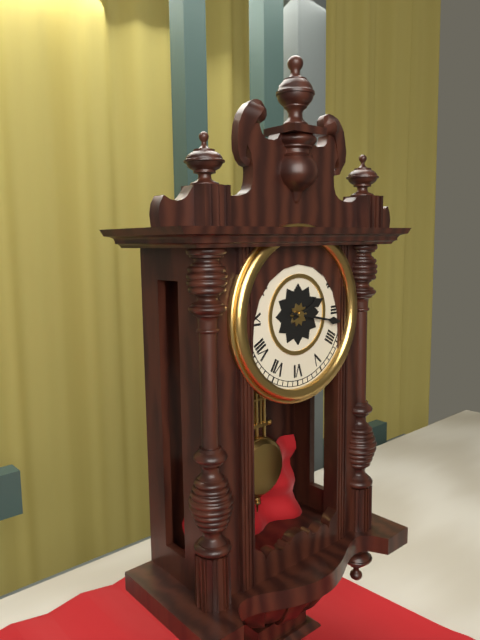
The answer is 2 h 17 min
